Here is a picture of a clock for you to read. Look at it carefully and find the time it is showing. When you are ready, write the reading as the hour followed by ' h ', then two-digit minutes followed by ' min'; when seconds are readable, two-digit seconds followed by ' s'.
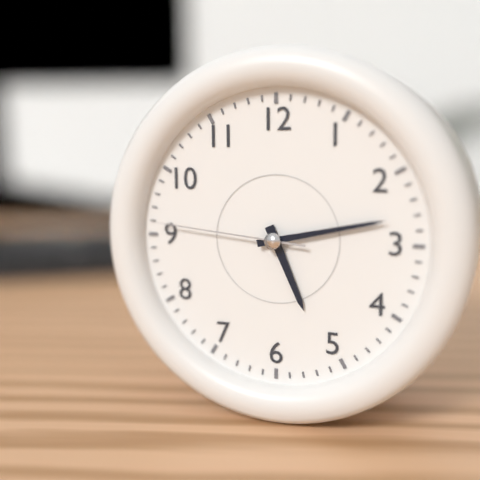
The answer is 5 h 13 min 46 s
